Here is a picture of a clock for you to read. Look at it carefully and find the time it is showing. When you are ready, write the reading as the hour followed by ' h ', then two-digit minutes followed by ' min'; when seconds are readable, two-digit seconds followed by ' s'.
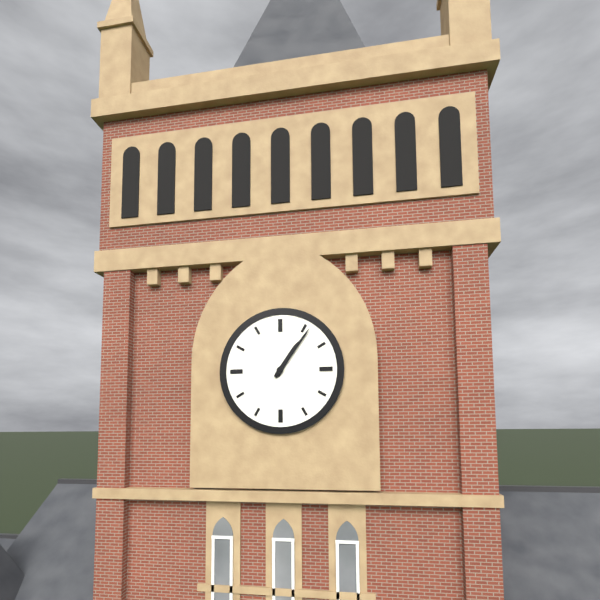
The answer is 1 h 06 min
